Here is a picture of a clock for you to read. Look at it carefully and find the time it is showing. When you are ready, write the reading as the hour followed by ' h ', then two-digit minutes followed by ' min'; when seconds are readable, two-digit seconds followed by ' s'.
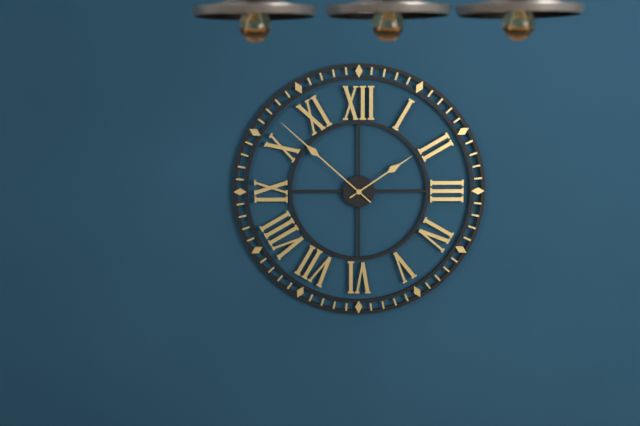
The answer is 1 h 52 min
